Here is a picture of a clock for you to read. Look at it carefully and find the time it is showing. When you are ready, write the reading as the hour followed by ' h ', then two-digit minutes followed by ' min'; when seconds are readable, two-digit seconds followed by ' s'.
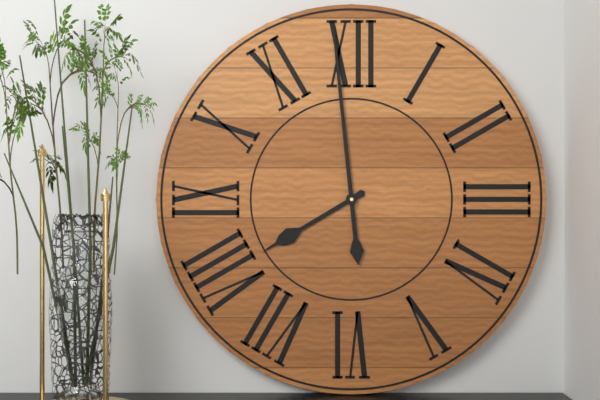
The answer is 7 h 59 min
